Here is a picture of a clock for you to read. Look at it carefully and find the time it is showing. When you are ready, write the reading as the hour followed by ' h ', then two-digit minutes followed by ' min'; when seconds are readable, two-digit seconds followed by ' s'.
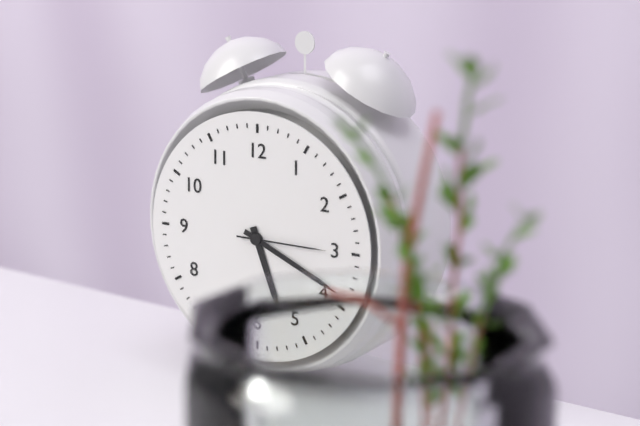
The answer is 5 h 19 min 15 s
